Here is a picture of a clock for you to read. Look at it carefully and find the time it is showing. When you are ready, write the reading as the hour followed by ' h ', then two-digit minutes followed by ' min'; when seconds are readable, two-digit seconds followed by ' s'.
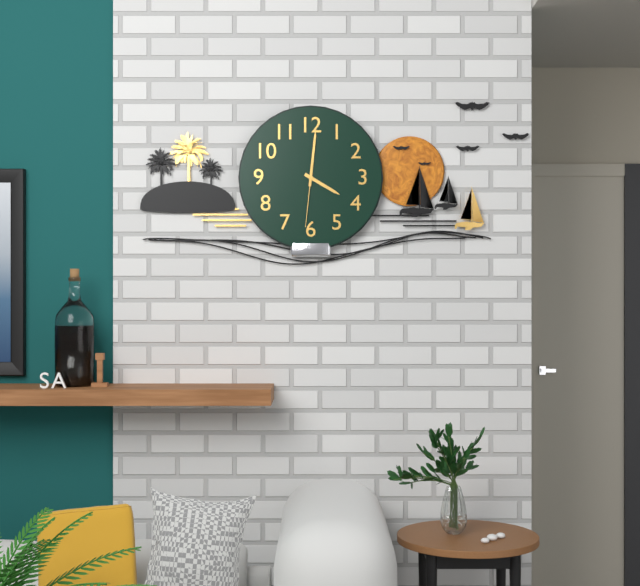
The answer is 4 h 01 min 31 s
